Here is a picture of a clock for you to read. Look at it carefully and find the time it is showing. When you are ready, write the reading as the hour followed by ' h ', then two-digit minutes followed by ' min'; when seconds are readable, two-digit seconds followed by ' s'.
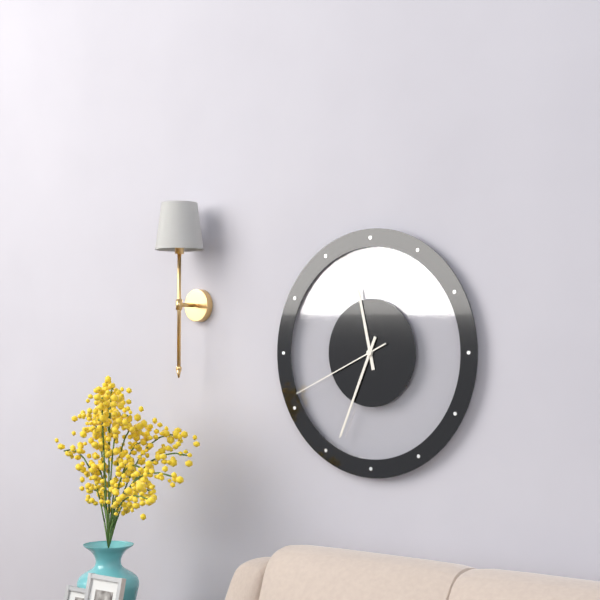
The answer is 11 h 34 min 41 s
